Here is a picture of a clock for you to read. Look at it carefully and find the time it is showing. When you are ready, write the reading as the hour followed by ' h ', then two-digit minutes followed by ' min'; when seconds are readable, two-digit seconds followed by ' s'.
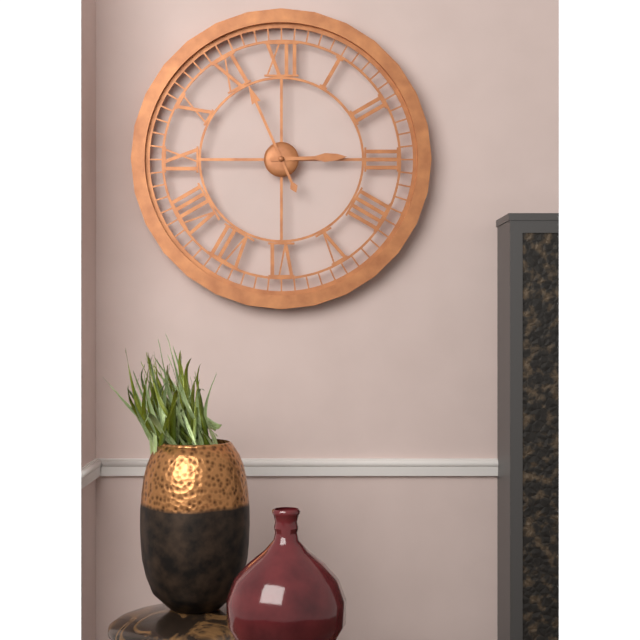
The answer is 2 h 56 min
